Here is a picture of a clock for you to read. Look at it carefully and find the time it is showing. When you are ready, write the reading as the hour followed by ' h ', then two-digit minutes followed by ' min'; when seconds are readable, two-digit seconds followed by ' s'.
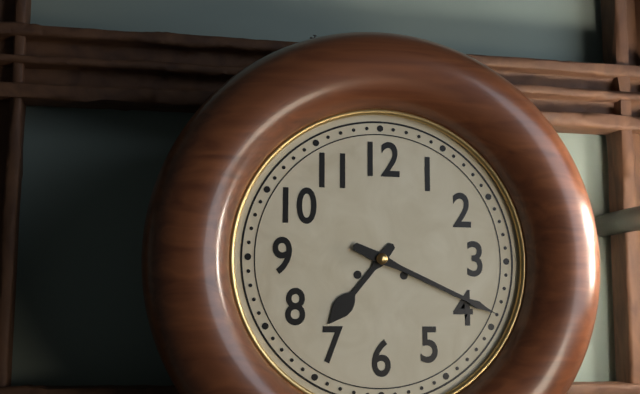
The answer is 7 h 19 min
